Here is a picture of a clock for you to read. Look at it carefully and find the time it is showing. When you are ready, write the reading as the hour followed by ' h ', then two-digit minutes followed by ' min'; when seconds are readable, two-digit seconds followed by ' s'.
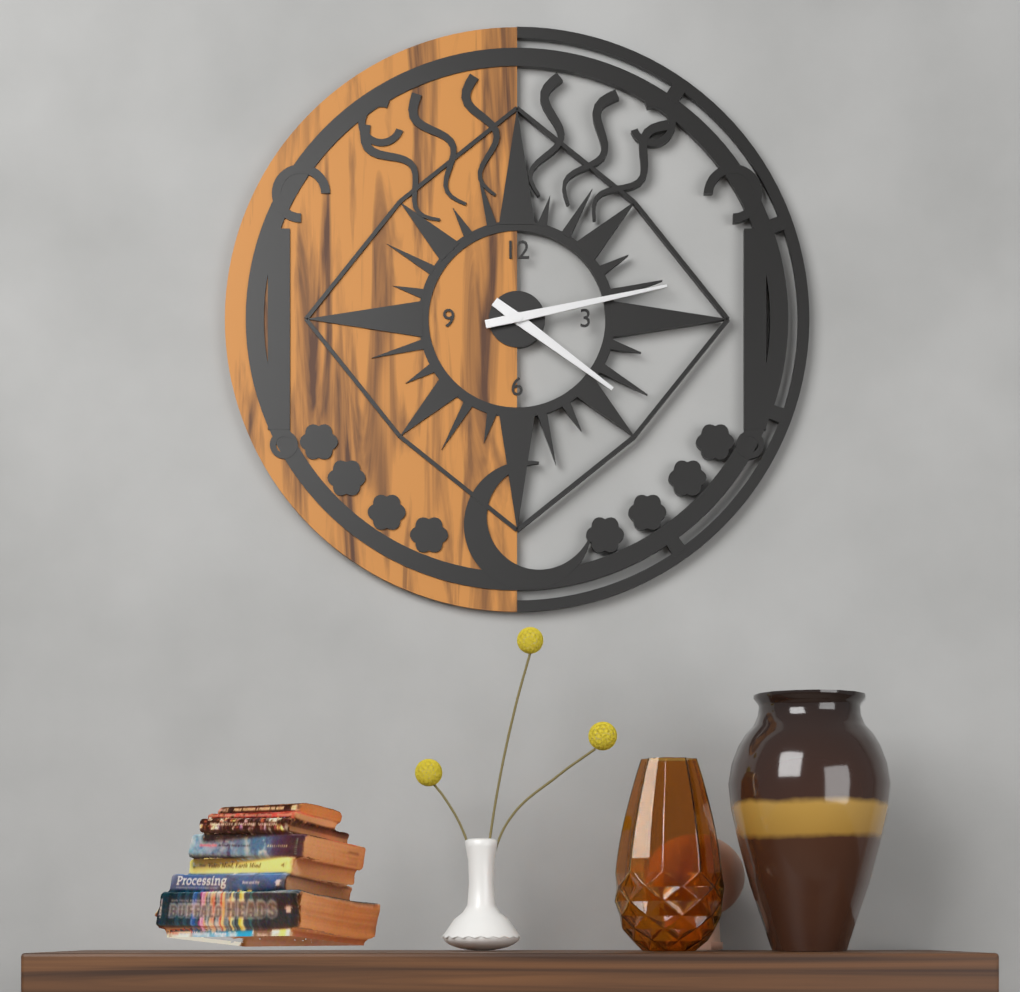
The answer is 4 h 13 min
